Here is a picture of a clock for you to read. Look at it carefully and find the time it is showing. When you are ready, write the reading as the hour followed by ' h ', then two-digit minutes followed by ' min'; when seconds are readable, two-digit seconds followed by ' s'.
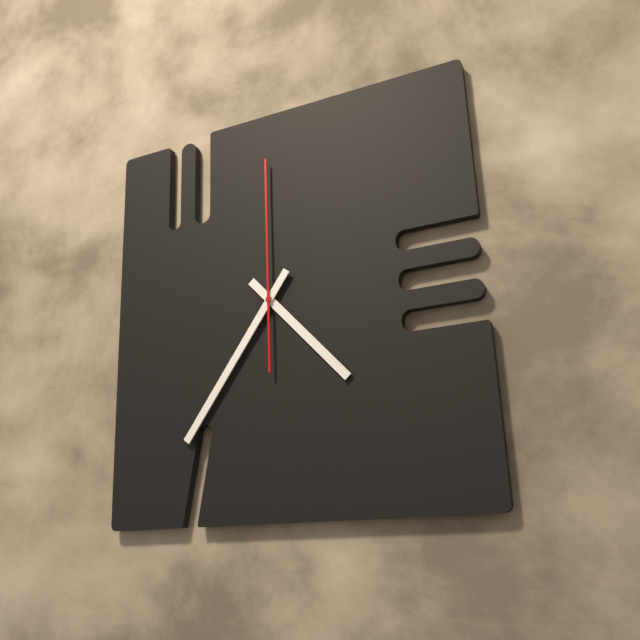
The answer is 4 h 36 min 00 s
